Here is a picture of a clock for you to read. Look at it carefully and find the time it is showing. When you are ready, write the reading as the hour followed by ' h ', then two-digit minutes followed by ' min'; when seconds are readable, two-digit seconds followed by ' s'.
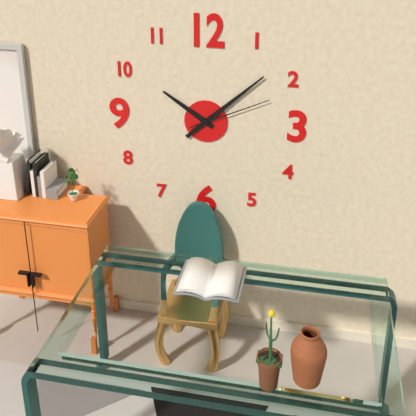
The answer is 10 h 08 min 11 s
